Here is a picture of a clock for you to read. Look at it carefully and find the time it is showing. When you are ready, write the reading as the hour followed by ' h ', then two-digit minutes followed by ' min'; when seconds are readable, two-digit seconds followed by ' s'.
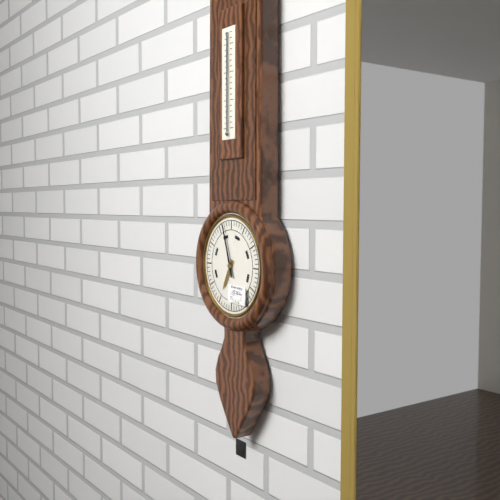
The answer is 6 h 57 min
